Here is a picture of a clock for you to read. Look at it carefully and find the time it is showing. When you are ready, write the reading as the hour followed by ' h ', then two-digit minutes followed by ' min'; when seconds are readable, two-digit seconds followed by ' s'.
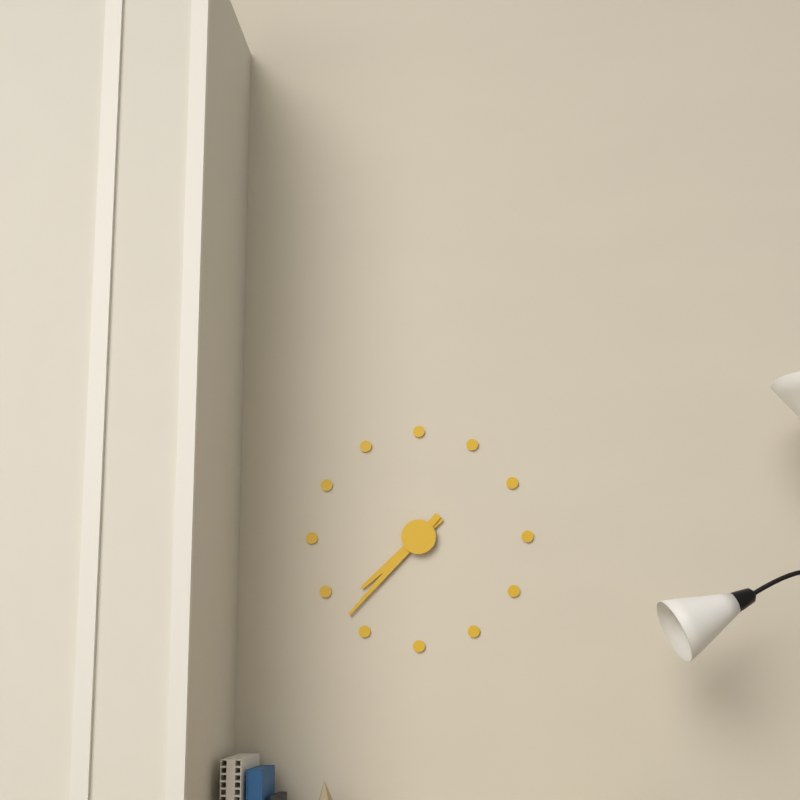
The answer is 7 h 37 min
